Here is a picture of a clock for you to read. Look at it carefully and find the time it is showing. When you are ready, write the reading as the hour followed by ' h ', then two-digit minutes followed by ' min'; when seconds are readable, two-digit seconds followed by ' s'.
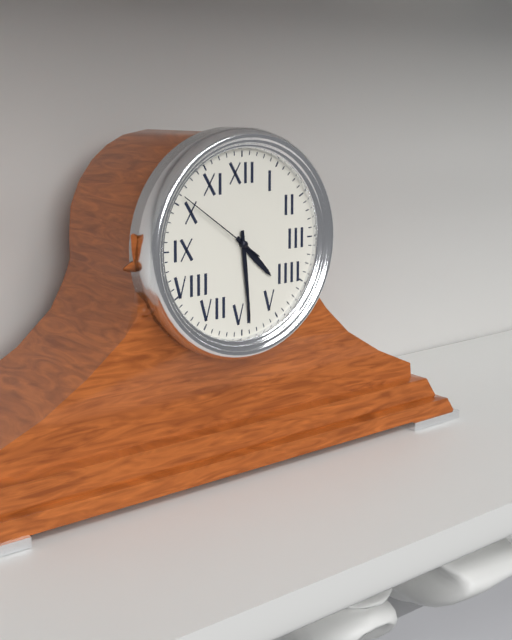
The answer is 4 h 29 min 51 s
